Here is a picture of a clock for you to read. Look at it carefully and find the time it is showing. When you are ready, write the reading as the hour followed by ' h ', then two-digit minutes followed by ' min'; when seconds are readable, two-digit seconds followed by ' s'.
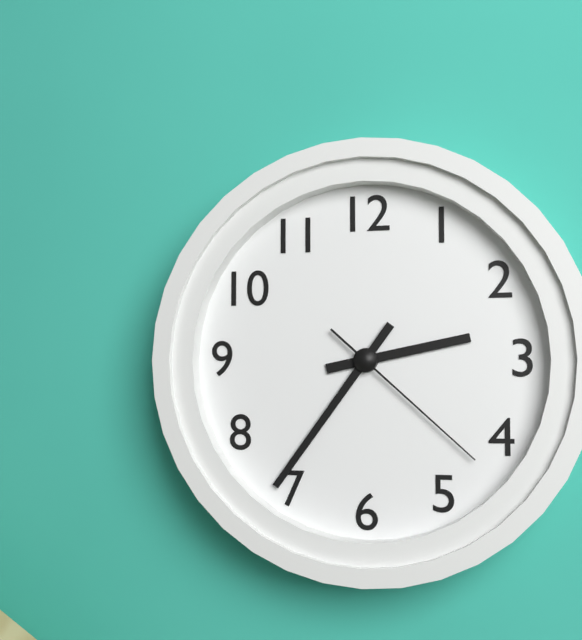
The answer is 2 h 36 min 22 s
